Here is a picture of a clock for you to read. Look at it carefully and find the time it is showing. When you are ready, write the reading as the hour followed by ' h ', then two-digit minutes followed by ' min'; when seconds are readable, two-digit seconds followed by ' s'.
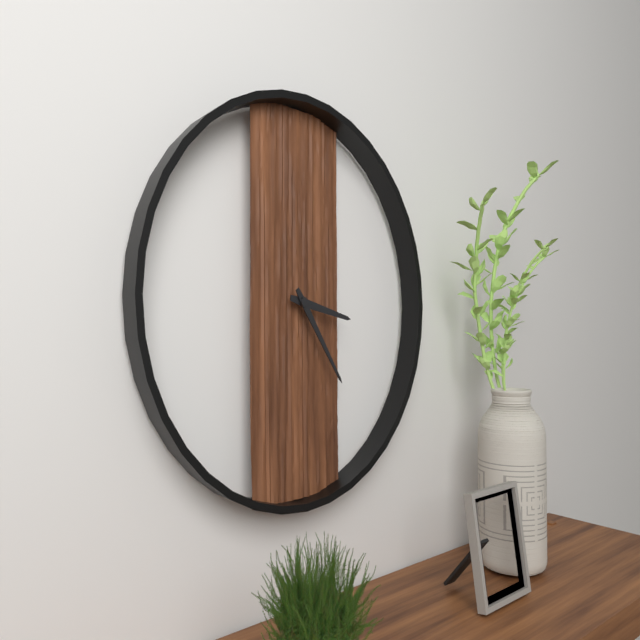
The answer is 3 h 24 min
